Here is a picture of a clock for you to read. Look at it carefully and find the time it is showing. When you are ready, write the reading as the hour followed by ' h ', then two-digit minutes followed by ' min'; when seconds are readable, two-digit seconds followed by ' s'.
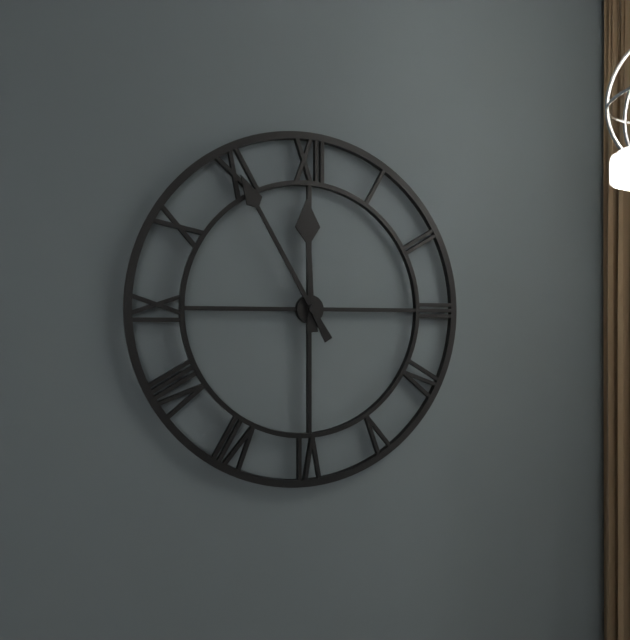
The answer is 11 h 55 min
